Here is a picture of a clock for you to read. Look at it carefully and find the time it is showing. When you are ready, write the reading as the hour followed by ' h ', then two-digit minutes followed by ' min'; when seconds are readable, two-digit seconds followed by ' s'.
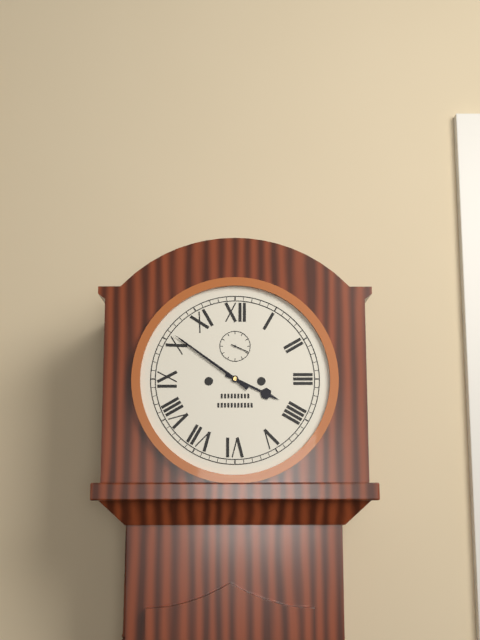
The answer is 3 h 51 min
